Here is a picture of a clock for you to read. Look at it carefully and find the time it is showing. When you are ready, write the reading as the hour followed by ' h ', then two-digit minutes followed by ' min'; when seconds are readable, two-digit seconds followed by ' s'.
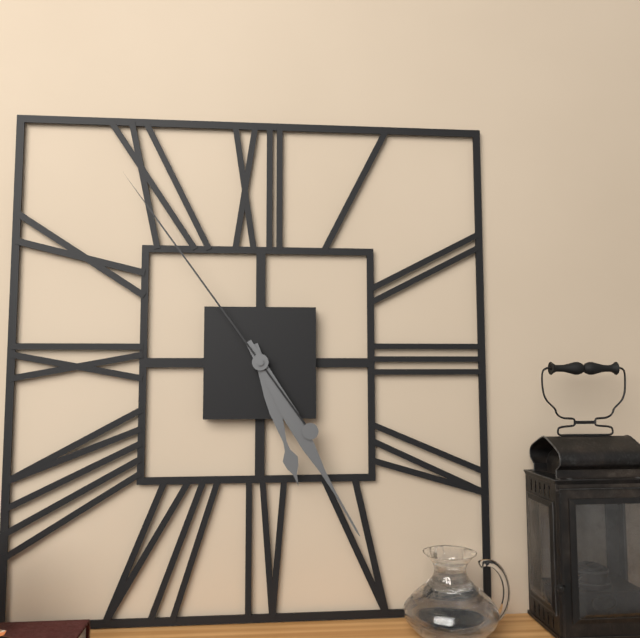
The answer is 5 h 25 min 54 s
